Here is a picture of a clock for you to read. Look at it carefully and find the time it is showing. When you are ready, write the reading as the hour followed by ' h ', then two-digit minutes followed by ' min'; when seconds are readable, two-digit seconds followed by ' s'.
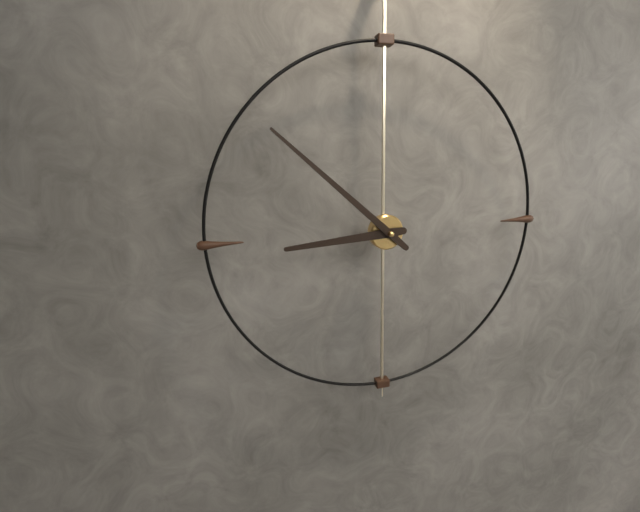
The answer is 8 h 52 min
